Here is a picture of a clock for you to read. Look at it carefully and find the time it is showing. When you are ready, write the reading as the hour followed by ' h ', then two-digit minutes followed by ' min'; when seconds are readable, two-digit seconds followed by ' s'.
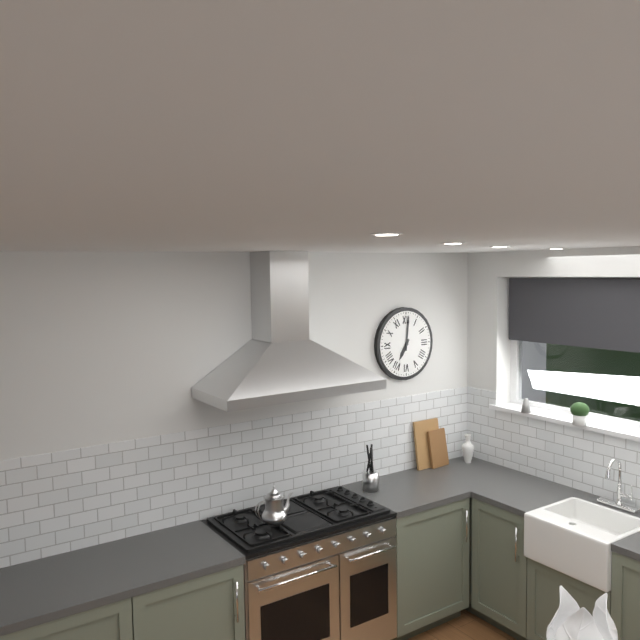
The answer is 7 h 01 min
